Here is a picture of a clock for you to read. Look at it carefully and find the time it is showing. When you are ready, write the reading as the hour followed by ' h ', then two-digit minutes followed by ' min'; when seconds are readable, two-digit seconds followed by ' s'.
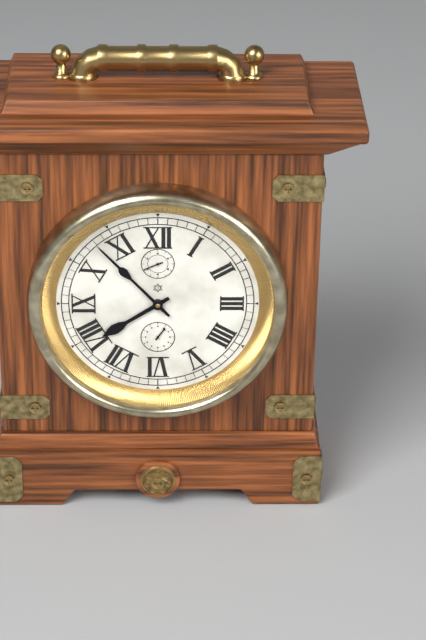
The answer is 7 h 53 min
